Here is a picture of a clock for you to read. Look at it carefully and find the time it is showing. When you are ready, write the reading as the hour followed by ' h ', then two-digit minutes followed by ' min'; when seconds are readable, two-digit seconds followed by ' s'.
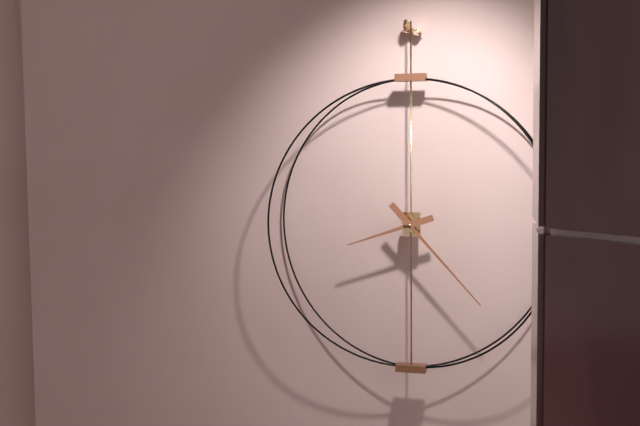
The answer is 8 h 23 min
